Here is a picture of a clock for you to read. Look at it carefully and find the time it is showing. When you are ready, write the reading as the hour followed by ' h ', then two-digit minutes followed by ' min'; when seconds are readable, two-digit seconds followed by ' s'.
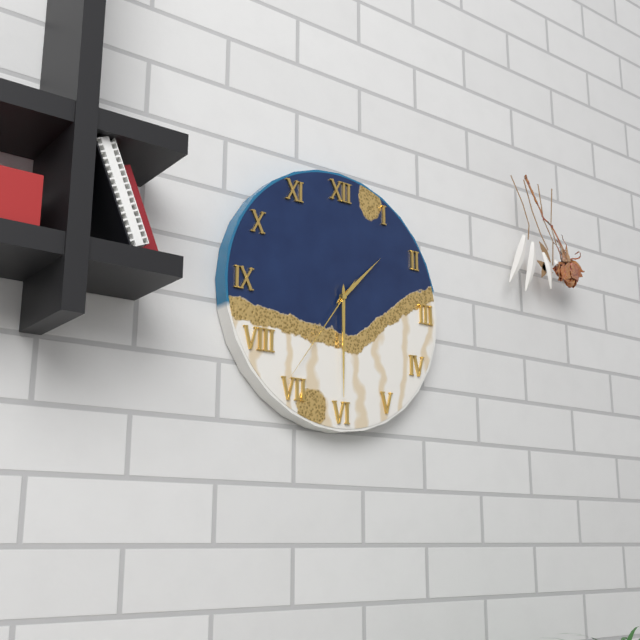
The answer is 1 h 30 min 36 s
